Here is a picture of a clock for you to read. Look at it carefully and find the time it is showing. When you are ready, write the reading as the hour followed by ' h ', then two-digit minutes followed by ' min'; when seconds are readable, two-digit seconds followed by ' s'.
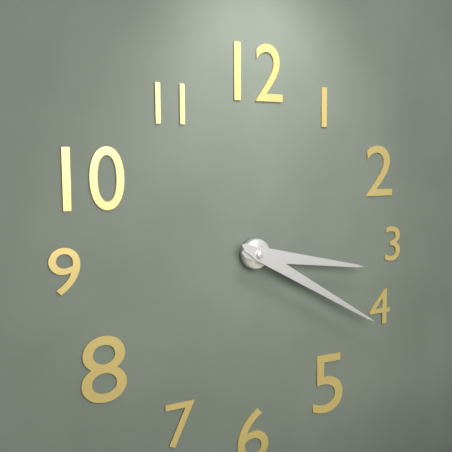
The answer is 3 h 20 min
